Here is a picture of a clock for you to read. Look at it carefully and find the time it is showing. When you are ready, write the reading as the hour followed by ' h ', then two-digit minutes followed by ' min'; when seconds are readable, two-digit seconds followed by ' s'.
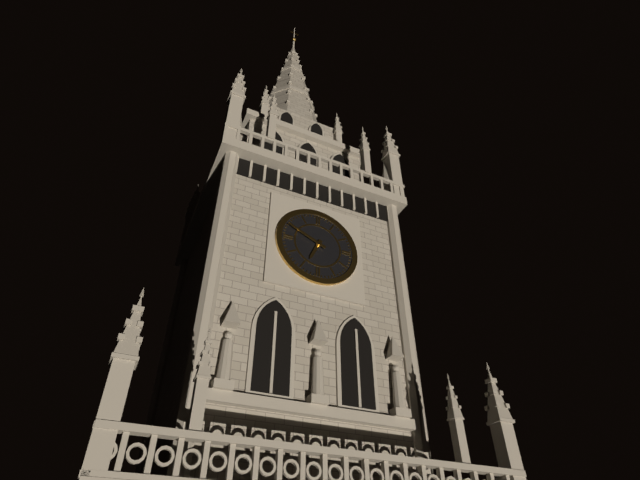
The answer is 6 h 49 min
